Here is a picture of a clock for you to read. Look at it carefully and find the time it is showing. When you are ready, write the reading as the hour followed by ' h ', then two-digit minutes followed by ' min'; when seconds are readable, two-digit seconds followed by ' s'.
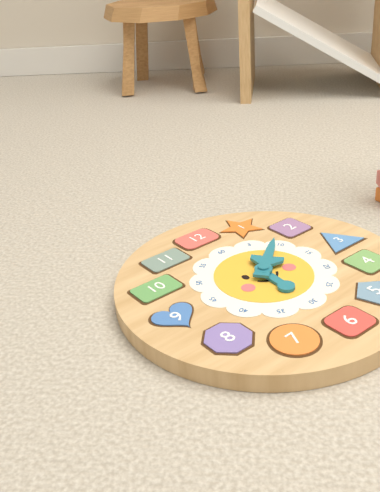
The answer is 6 h 09 min
